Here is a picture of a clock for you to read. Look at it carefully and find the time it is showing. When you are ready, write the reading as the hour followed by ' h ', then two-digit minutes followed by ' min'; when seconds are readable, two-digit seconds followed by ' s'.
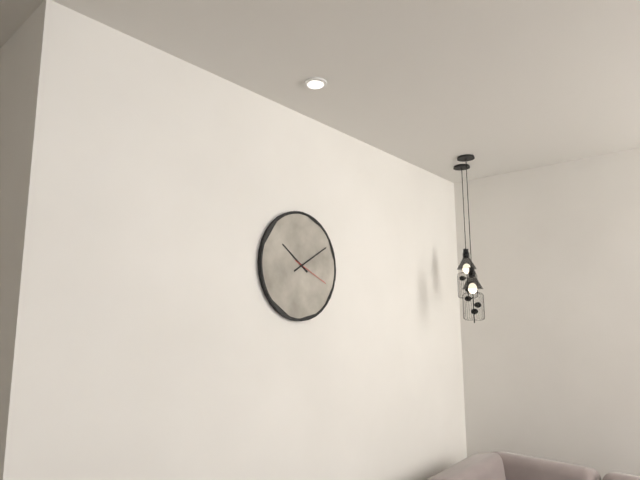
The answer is 10 h 10 min
